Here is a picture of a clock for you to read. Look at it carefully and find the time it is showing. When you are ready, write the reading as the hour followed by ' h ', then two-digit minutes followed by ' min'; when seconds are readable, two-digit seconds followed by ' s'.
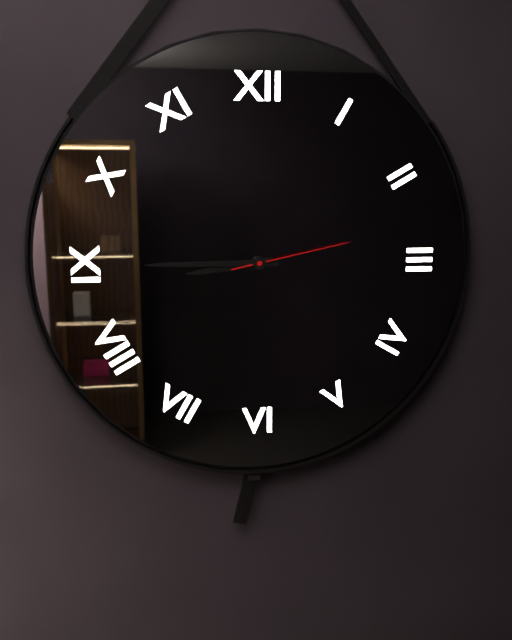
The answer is 8 h 45 min 13 s
